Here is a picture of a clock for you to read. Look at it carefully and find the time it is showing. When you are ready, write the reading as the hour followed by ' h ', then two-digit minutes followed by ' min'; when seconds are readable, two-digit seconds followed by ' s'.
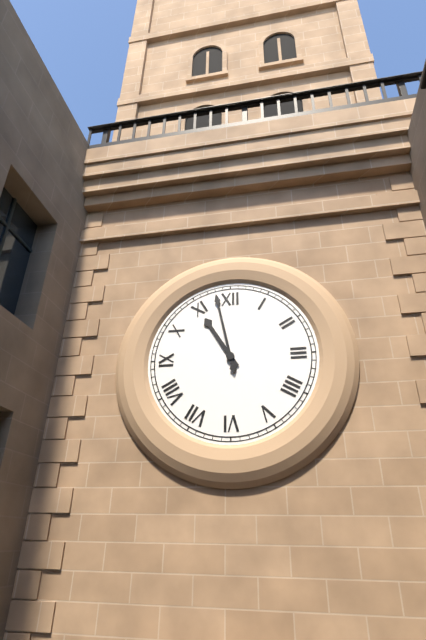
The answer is 10 h 58 min
